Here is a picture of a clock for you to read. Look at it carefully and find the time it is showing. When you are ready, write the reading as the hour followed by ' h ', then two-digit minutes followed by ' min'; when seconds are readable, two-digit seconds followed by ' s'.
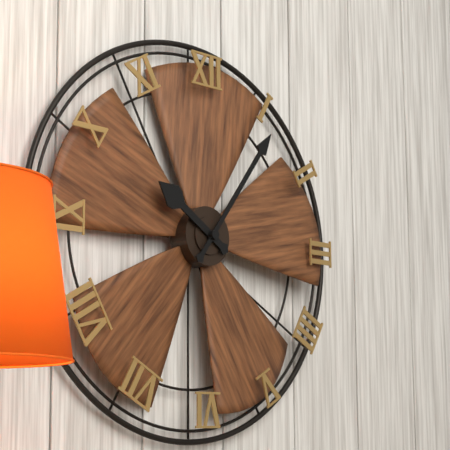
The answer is 10 h 06 min
